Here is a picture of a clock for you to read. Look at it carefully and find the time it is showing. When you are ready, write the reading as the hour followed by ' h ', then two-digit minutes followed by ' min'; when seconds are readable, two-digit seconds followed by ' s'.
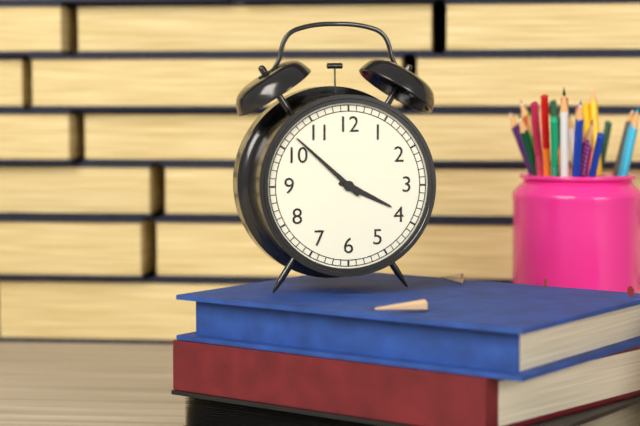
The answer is 3 h 52 min
